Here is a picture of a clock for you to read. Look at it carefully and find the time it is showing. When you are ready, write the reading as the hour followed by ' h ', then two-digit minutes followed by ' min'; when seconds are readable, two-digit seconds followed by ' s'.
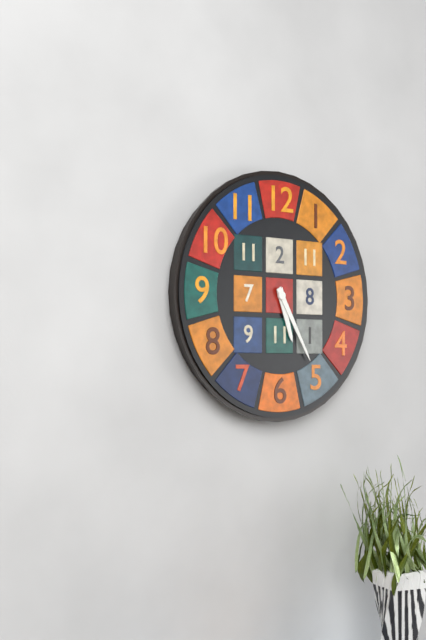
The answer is 5 h 25 min
